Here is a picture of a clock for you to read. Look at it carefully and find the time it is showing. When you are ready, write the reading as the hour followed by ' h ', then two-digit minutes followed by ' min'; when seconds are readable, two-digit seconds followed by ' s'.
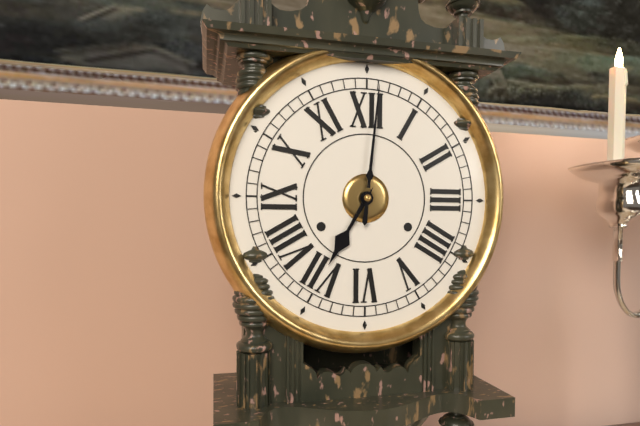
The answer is 7 h 01 min
